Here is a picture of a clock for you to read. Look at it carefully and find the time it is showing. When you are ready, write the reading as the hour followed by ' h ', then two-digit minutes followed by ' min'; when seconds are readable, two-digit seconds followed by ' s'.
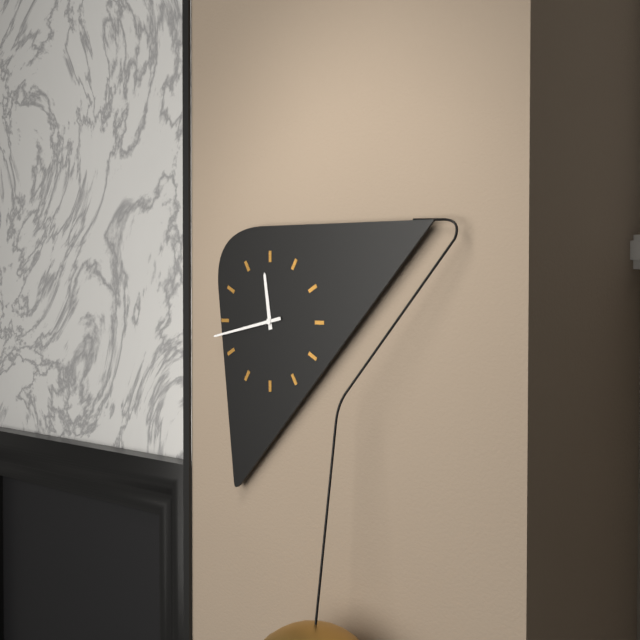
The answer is 11 h 43 min
